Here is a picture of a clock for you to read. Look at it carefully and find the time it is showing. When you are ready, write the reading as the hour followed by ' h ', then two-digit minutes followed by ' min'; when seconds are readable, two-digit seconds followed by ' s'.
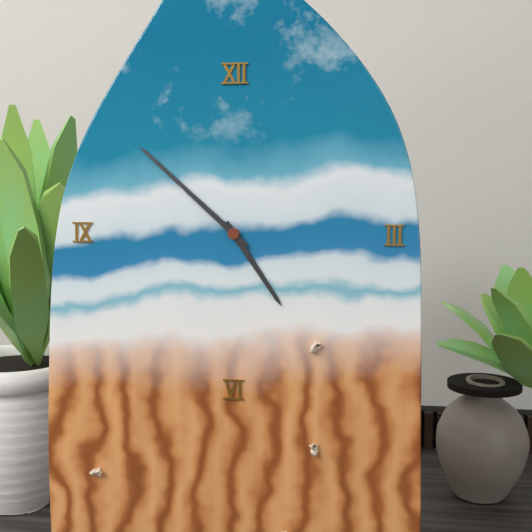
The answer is 4 h 52 min
